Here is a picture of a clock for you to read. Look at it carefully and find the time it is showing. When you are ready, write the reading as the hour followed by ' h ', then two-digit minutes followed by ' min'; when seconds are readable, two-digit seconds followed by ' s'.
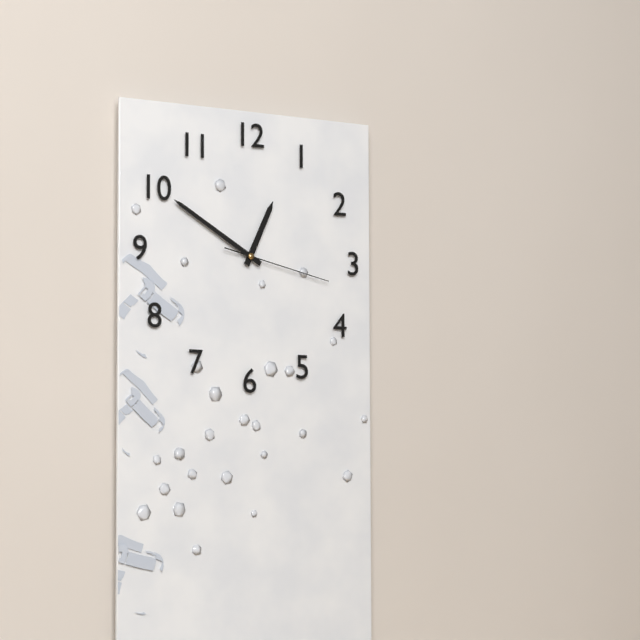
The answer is 12 h 50 min 17 s
